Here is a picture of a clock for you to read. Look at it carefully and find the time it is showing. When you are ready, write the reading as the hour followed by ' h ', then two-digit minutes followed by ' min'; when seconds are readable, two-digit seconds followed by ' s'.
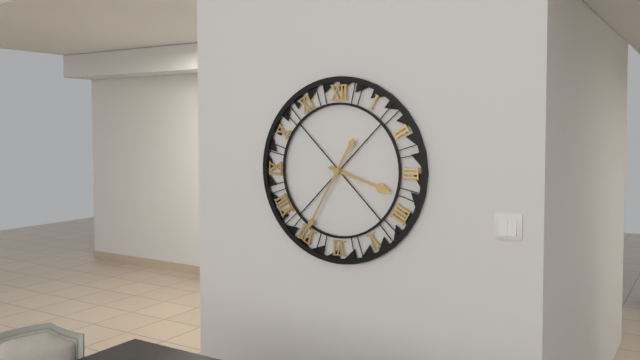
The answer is 3 h 35 min
